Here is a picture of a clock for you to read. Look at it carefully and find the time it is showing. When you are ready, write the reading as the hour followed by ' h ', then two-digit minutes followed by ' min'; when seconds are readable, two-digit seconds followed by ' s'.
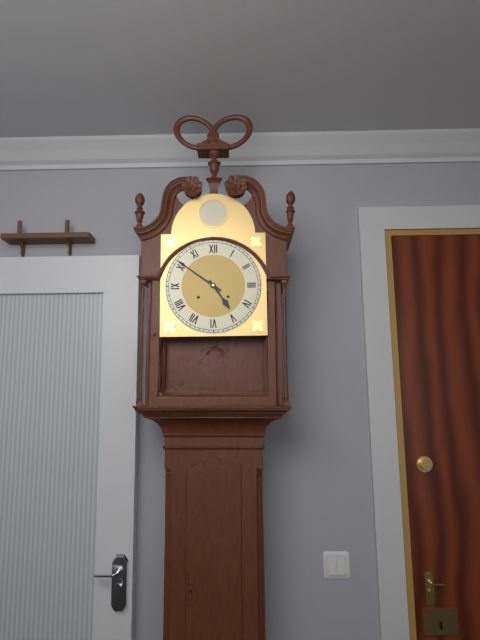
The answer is 4 h 51 min
